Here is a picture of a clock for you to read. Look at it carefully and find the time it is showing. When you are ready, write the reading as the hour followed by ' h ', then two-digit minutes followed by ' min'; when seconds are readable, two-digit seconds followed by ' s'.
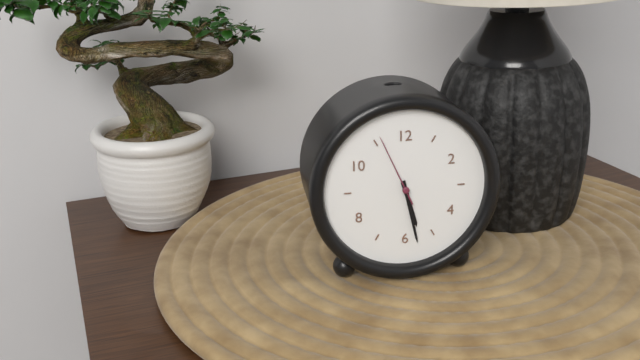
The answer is 5 h 28 min 56 s
